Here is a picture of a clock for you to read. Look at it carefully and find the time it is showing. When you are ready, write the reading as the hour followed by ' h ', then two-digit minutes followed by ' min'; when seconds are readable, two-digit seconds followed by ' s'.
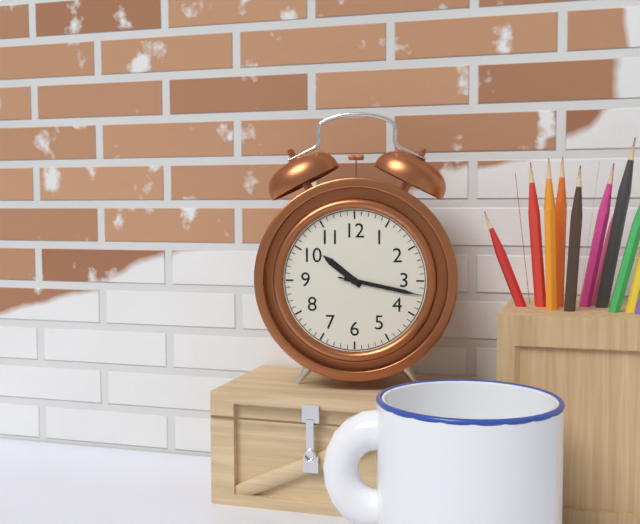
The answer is 10 h 17 min 17 s
